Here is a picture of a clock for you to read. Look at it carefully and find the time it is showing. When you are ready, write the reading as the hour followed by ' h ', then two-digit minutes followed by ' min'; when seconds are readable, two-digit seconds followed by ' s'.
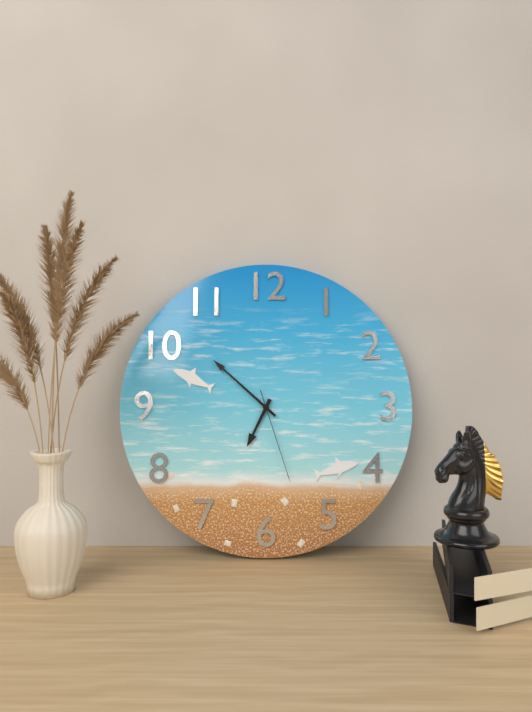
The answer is 6 h 52 min 27 s
